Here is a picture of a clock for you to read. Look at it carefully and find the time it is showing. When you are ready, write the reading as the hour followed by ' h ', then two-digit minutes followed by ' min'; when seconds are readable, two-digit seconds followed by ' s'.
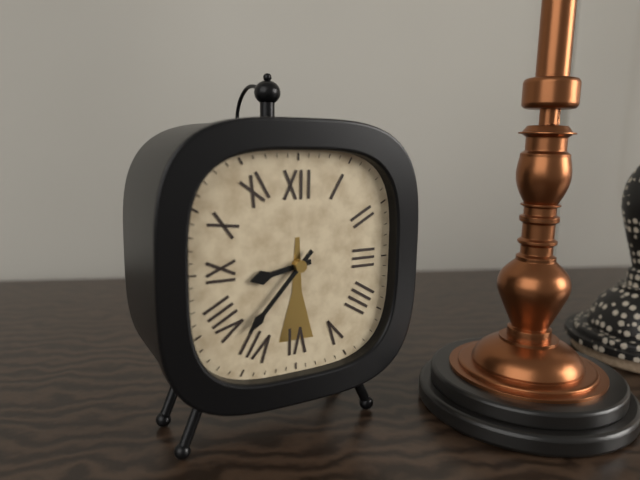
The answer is 8 h 37 min
